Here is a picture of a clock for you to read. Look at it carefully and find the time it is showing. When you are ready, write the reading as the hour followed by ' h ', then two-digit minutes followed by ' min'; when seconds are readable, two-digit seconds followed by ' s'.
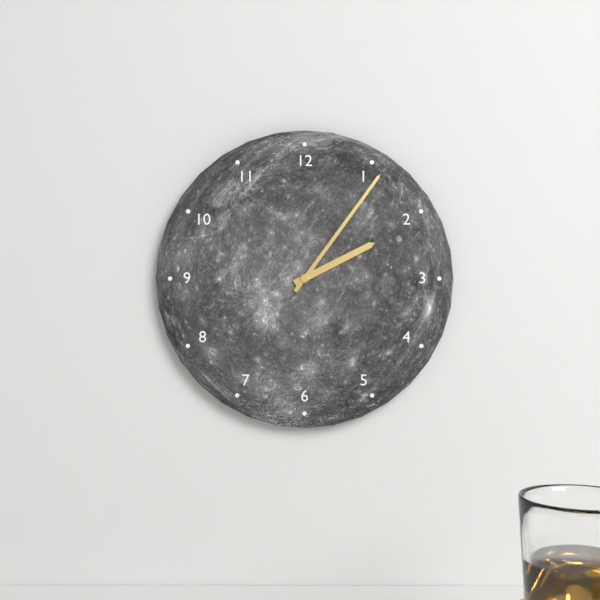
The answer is 2 h 06 min
